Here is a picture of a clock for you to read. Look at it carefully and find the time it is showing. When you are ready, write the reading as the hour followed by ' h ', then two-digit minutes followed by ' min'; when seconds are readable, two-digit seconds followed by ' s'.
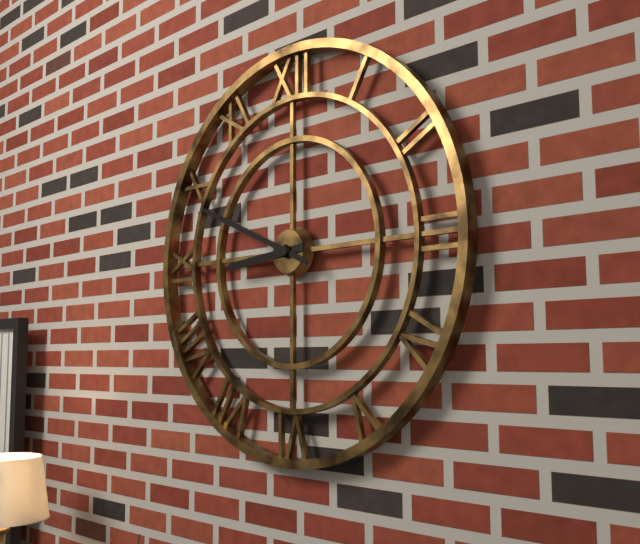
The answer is 8 h 49 min
